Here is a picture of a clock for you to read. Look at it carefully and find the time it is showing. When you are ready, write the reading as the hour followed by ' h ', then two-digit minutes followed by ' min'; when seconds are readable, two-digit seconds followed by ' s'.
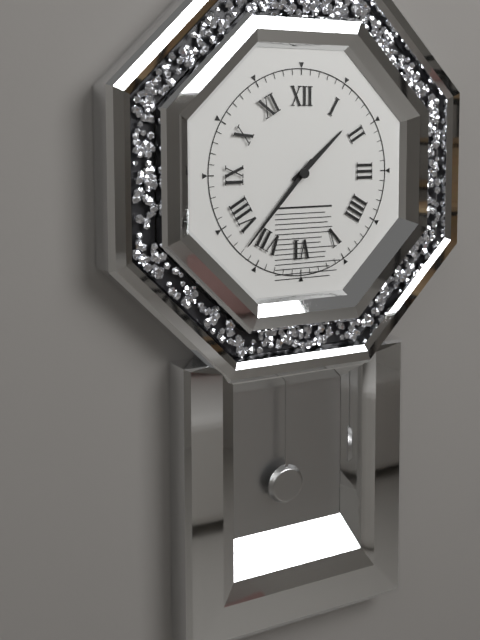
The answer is 1 h 37 min
